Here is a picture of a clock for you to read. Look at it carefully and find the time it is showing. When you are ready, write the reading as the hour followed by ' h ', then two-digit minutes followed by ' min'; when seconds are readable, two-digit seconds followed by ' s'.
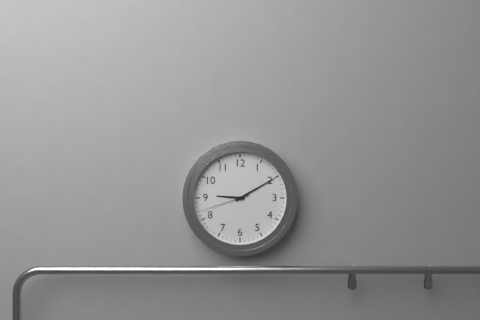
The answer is 9 h 10 min 42 s
